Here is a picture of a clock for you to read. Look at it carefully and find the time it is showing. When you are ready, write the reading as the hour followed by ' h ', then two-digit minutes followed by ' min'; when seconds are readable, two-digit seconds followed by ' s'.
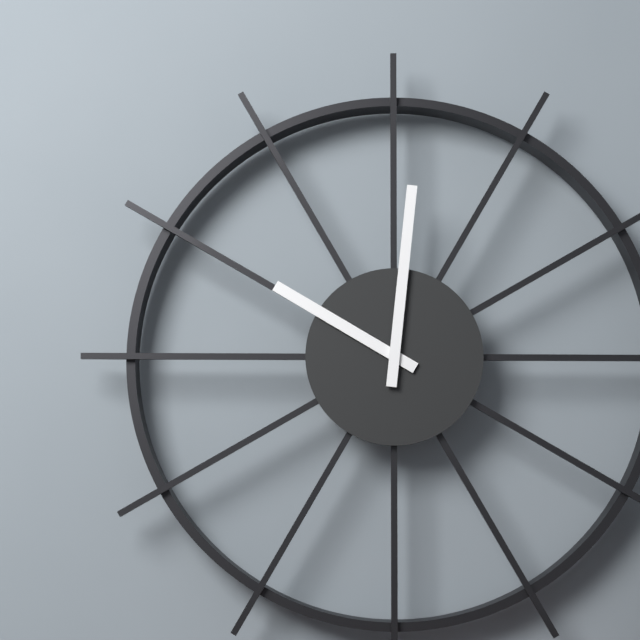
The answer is 10 h 01 min
